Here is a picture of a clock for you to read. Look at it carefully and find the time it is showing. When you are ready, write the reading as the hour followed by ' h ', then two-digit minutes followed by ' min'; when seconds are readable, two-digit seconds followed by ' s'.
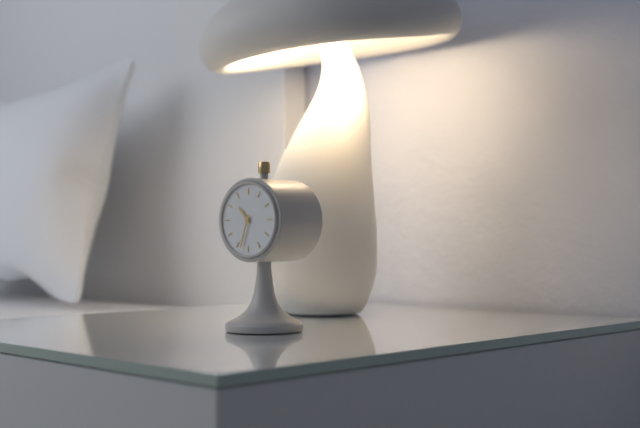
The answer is 10 h 33 min
